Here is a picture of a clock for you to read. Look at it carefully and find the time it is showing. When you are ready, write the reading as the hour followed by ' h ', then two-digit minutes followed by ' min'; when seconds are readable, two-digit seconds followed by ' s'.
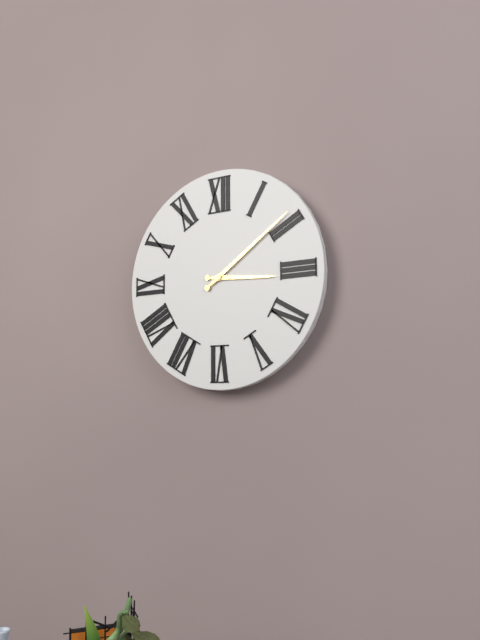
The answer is 3 h 09 min
